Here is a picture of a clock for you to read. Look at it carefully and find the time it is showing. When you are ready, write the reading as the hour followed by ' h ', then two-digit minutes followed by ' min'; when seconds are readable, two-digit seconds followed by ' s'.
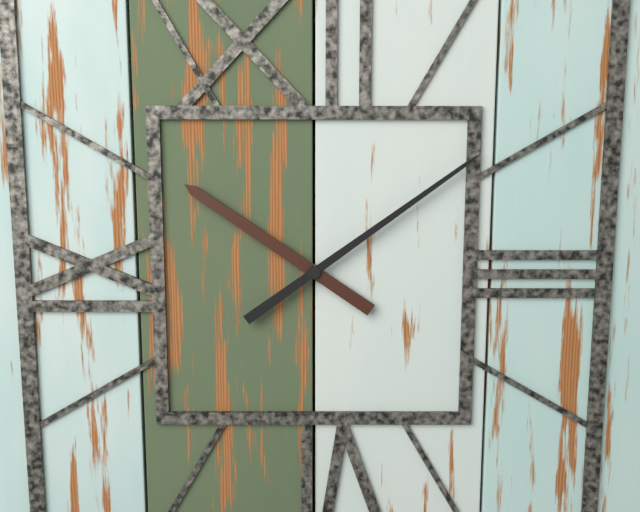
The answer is 10 h 09 min
